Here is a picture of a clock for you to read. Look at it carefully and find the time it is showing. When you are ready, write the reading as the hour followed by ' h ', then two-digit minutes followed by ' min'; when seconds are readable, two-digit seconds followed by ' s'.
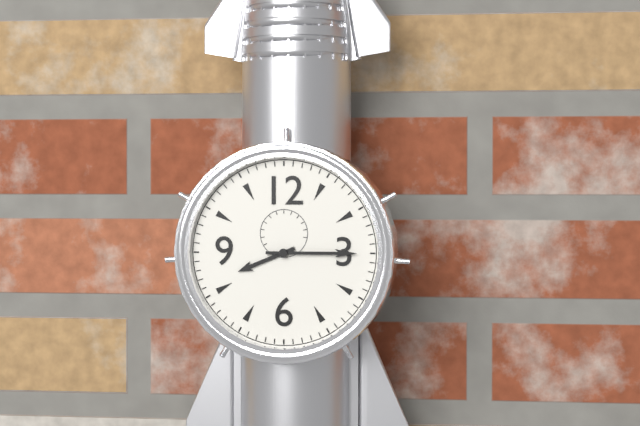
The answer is 8 h 15 min
